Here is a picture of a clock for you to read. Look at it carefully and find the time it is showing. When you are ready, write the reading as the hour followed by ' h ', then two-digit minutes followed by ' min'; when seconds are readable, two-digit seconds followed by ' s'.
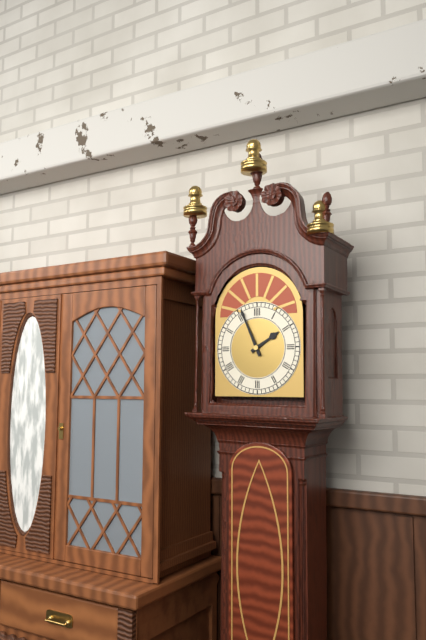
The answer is 1 h 56 min
